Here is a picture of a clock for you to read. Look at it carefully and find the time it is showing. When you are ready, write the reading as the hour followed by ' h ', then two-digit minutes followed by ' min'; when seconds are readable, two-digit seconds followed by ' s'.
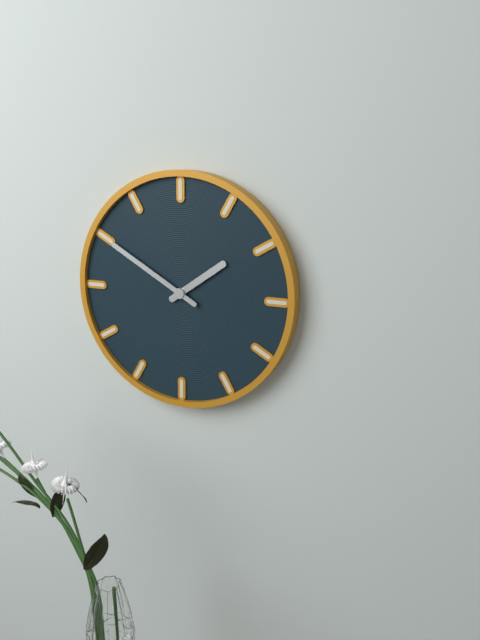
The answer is 1 h 50 min
